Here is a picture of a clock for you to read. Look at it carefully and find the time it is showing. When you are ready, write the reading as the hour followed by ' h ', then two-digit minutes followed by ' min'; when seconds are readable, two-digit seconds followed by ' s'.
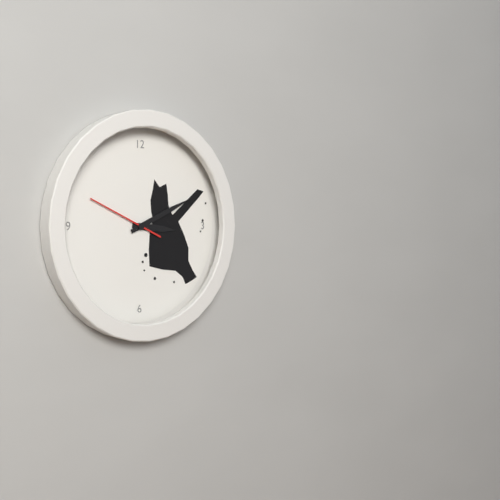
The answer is 3 h 11 min 49 s
